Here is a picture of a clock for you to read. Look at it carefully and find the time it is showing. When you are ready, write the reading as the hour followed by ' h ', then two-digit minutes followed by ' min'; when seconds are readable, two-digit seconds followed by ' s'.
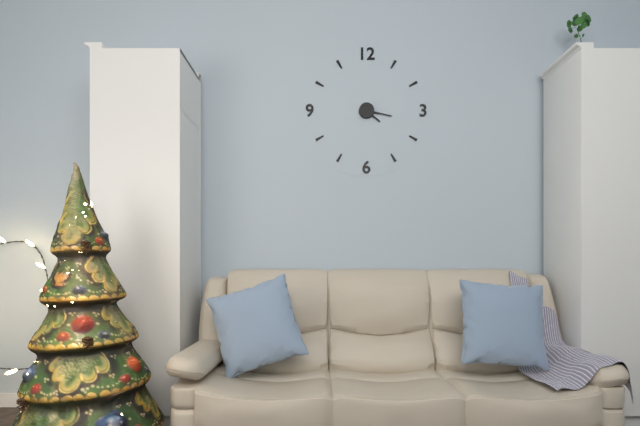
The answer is 4 h 17 min
